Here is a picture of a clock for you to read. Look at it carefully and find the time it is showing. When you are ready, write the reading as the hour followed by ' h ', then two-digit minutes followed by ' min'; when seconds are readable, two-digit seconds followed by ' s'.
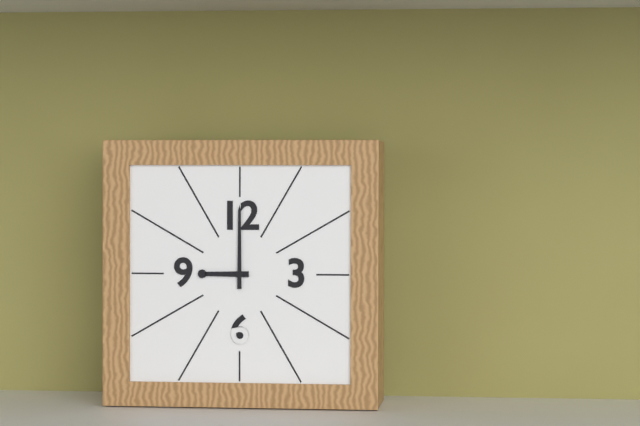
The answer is 9 h 00 min
